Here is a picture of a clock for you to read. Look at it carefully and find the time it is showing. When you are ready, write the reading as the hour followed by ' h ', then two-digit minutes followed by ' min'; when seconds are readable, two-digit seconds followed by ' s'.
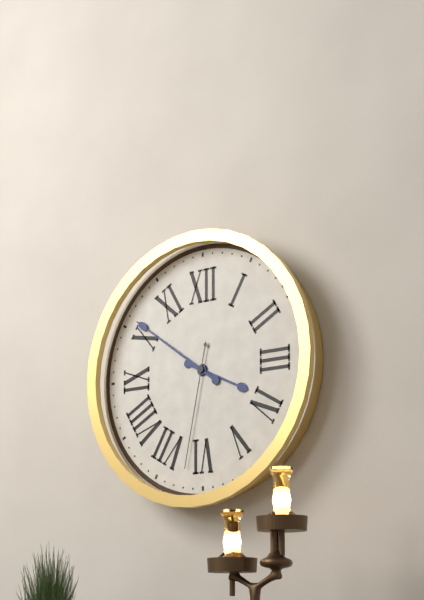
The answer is 3 h 51 min 32 s
